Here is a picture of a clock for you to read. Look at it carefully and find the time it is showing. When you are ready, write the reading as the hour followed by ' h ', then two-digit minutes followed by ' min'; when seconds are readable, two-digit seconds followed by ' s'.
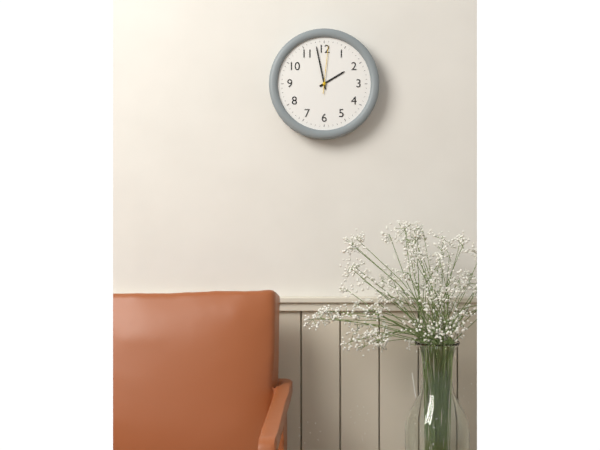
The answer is 1 h 58 min
